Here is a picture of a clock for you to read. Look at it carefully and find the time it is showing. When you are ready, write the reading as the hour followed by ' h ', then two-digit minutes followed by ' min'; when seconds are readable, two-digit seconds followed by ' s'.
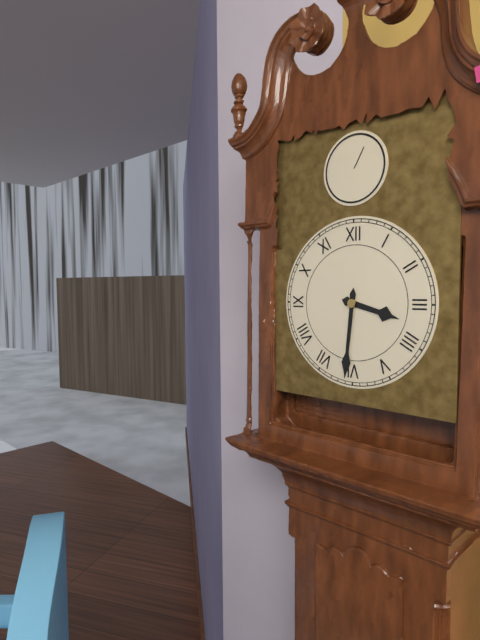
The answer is 3 h 31 min
